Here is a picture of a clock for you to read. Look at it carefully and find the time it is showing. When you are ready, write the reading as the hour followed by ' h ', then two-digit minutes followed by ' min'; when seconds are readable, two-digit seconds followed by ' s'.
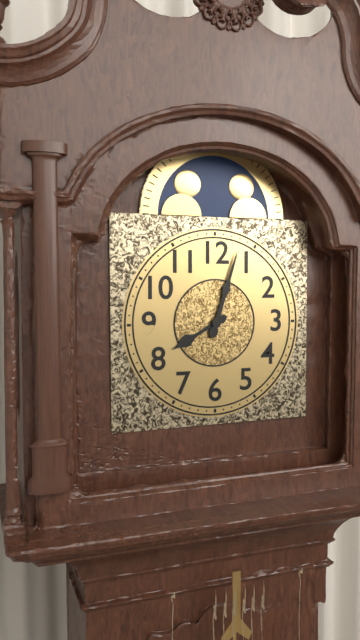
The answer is 8 h 03 min
